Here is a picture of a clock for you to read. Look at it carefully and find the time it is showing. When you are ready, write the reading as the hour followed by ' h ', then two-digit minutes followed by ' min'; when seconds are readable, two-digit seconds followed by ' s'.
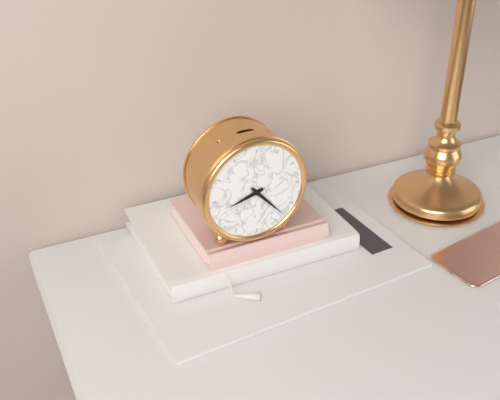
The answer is 8 h 23 min
